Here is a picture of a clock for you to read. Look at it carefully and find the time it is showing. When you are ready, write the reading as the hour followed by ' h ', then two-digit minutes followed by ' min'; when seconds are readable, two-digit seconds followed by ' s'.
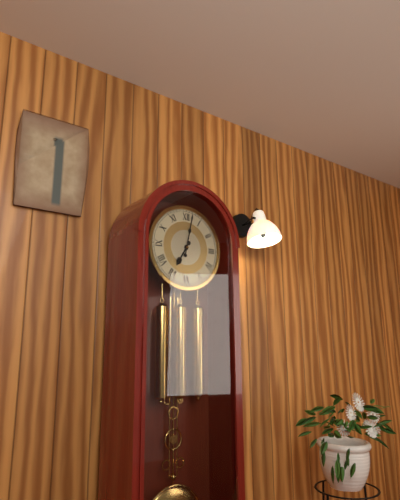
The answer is 7 h 02 min
